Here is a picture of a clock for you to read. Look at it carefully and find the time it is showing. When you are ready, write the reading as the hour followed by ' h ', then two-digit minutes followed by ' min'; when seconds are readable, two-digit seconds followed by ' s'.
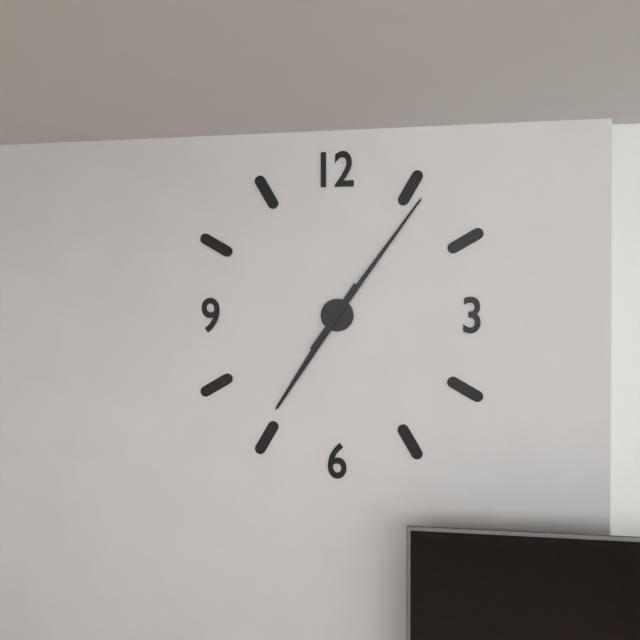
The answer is 7 h 06 min
